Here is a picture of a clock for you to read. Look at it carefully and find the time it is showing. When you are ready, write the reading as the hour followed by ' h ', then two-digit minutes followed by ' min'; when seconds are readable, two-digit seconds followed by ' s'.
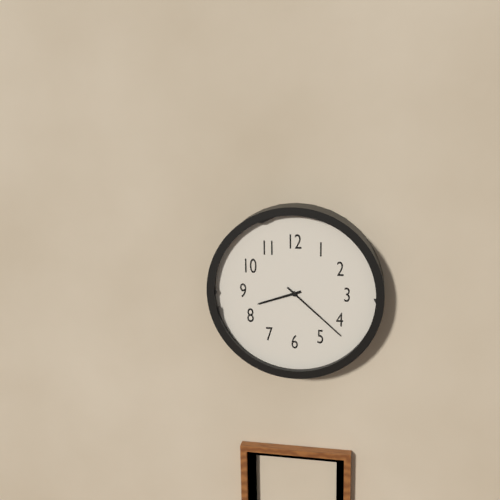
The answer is 8 h 22 min
